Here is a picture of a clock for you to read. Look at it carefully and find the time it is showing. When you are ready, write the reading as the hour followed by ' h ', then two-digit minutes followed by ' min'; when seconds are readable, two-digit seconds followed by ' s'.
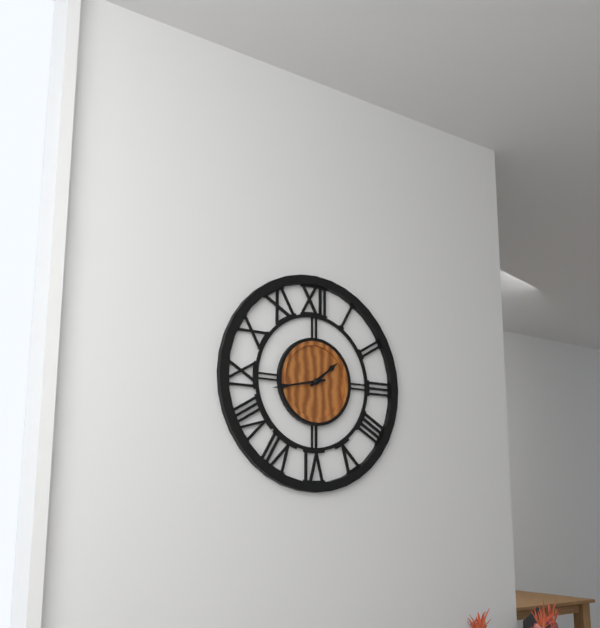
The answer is 1 h 43 min
